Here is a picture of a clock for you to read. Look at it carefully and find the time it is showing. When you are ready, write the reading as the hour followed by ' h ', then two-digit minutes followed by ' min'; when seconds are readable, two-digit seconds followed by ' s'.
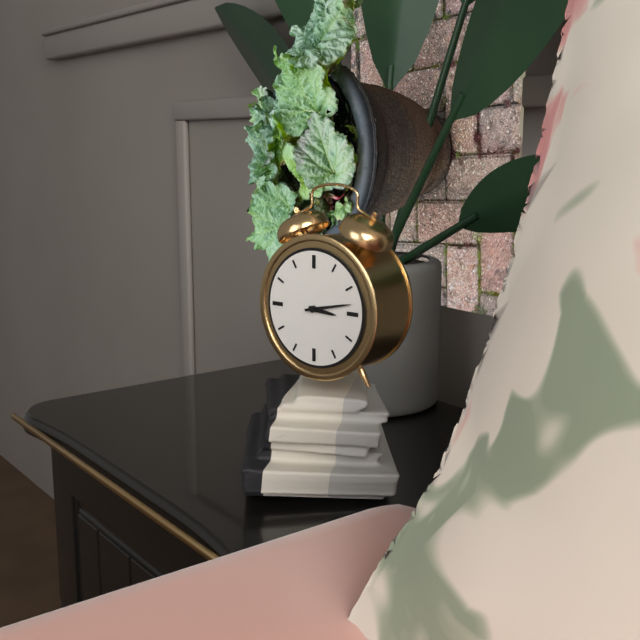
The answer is 3 h 13 min
